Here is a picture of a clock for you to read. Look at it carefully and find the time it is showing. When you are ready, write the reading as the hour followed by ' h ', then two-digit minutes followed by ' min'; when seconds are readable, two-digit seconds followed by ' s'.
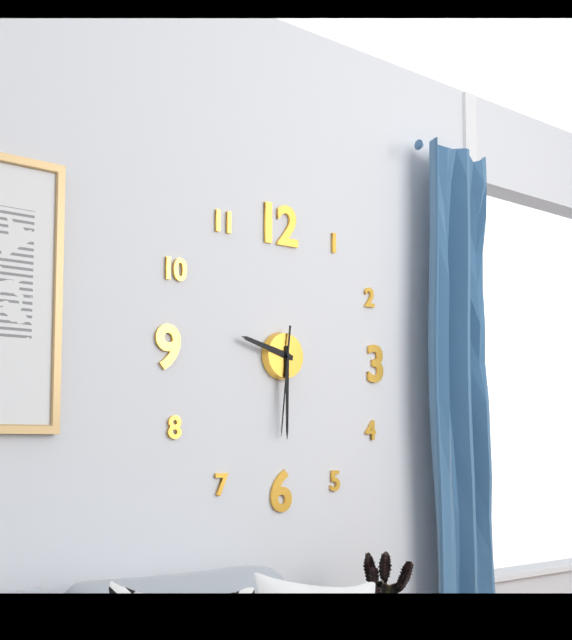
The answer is 9 h 30 min 31 s
